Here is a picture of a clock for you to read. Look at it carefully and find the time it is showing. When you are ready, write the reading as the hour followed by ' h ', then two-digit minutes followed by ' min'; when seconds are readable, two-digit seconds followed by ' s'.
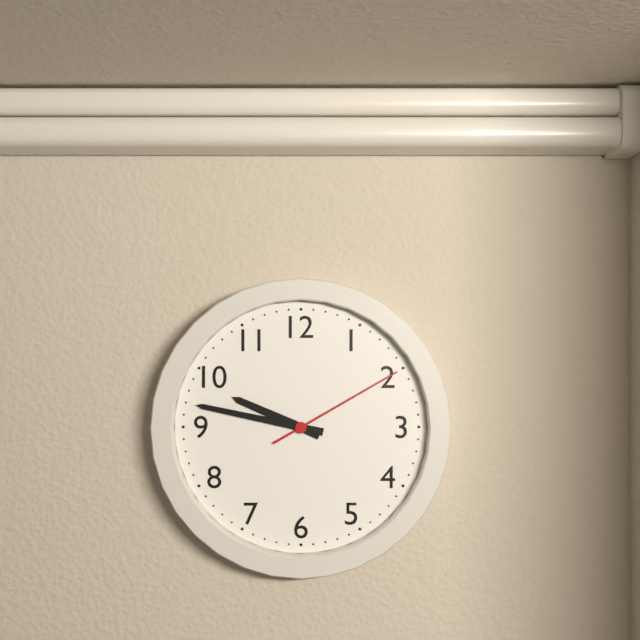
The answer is 9 h 47 min 10 s
